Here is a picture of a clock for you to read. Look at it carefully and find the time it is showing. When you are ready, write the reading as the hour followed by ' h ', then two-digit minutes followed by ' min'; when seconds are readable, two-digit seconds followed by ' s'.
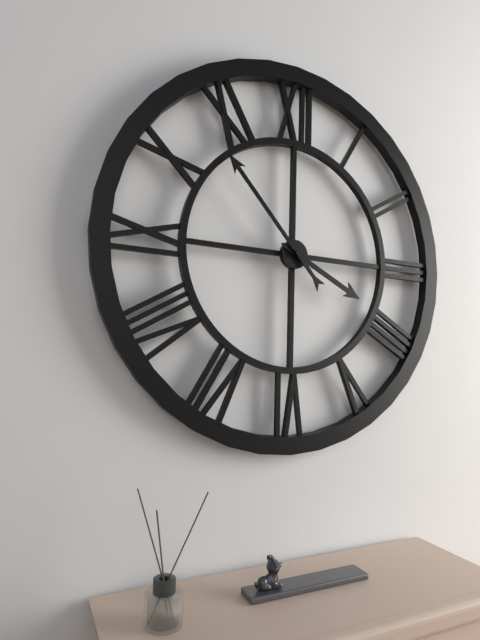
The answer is 3 h 53 min
